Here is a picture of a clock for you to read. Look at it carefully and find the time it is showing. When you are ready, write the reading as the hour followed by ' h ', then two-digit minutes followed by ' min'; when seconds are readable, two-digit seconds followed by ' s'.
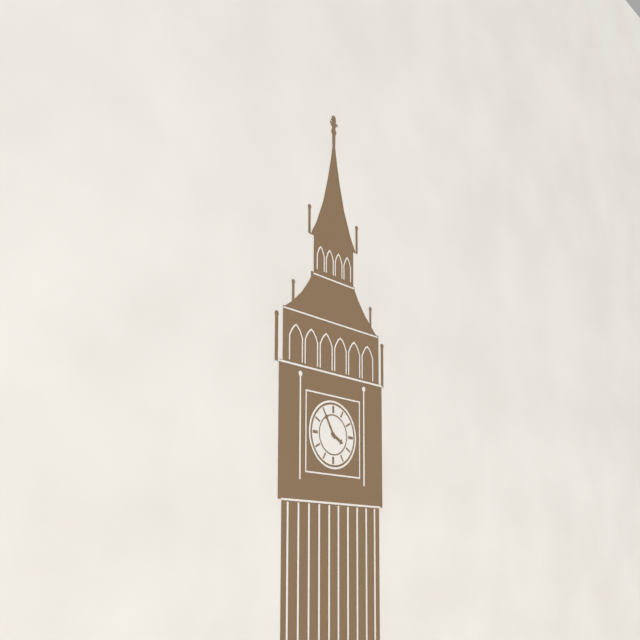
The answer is 3 h 55 min
